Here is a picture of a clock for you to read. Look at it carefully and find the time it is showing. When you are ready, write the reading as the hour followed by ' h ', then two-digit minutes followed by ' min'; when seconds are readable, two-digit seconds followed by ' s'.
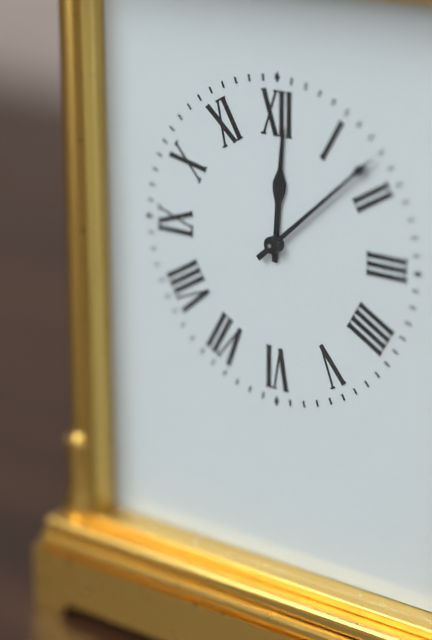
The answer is 12 h 08 min
